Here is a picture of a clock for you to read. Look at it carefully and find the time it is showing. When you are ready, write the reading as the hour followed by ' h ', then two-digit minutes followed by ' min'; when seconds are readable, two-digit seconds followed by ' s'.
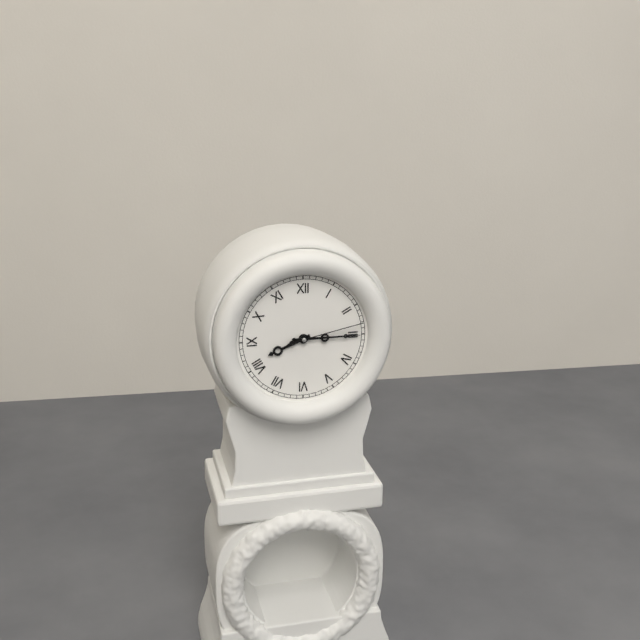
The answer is 8 h 15 min 13 s
